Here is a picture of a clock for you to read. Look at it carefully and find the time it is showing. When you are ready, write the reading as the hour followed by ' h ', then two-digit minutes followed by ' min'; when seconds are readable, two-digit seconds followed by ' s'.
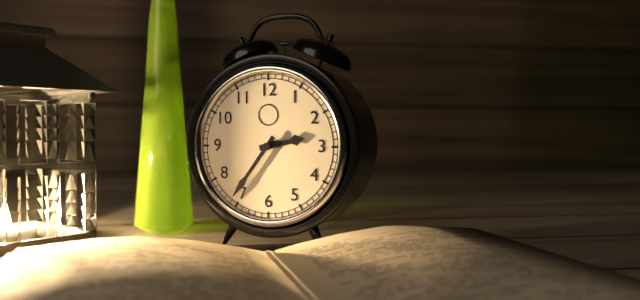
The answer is 2 h 36 min
